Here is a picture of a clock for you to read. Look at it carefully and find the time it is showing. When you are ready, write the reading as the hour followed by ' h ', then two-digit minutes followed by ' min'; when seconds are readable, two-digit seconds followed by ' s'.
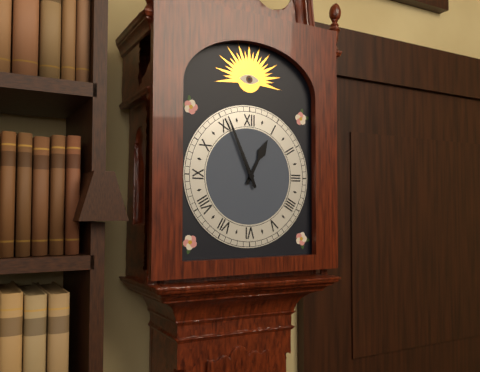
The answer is 12 h 56 min
